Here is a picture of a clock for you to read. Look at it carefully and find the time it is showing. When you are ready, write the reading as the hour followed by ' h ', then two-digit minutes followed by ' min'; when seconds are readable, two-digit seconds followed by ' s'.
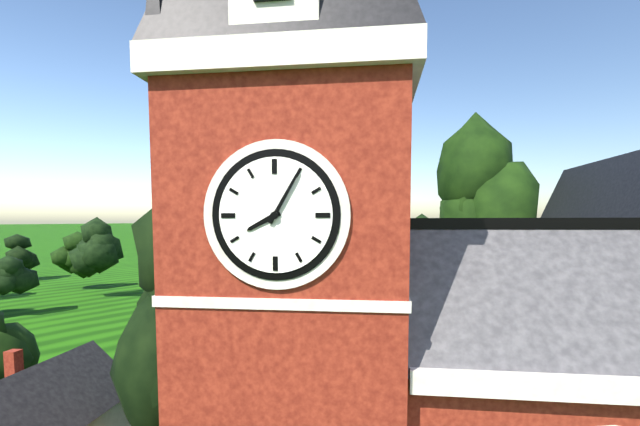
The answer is 8 h 05 min
